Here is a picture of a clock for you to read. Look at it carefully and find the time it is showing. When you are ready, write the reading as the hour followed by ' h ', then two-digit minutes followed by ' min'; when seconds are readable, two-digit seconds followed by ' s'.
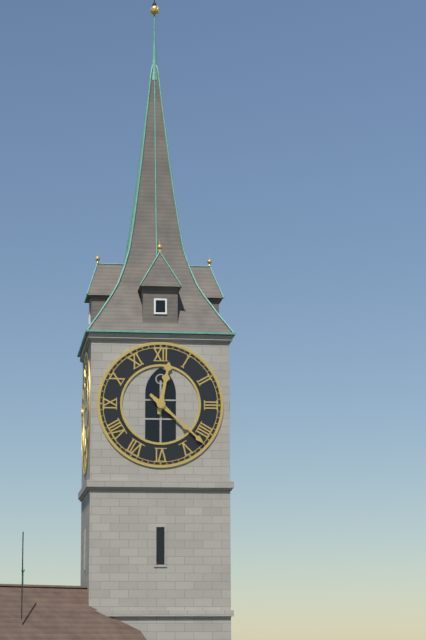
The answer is 12 h 22 min
